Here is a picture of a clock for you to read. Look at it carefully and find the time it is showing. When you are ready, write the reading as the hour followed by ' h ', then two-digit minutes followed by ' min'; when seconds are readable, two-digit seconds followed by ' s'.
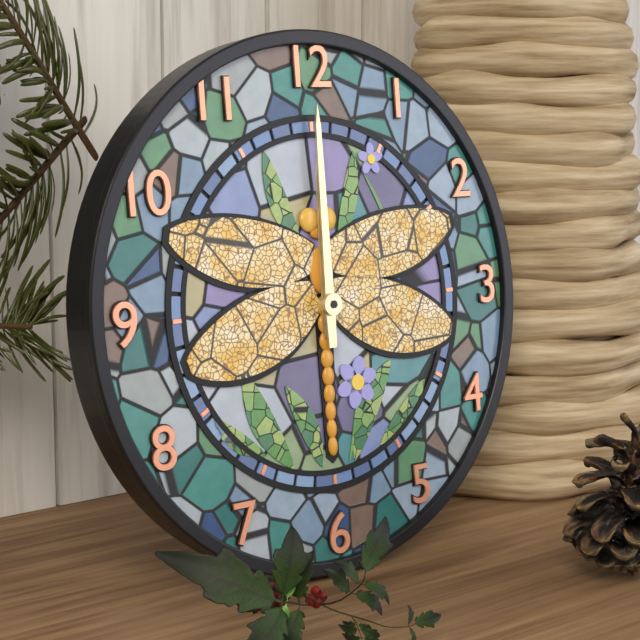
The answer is 12 h 00 min
